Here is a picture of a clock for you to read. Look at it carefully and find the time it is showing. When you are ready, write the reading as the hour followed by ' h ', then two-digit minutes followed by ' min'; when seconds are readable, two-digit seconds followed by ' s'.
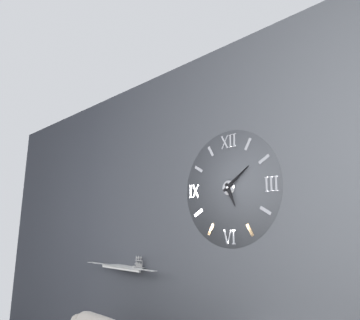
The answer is 5 h 09 min
